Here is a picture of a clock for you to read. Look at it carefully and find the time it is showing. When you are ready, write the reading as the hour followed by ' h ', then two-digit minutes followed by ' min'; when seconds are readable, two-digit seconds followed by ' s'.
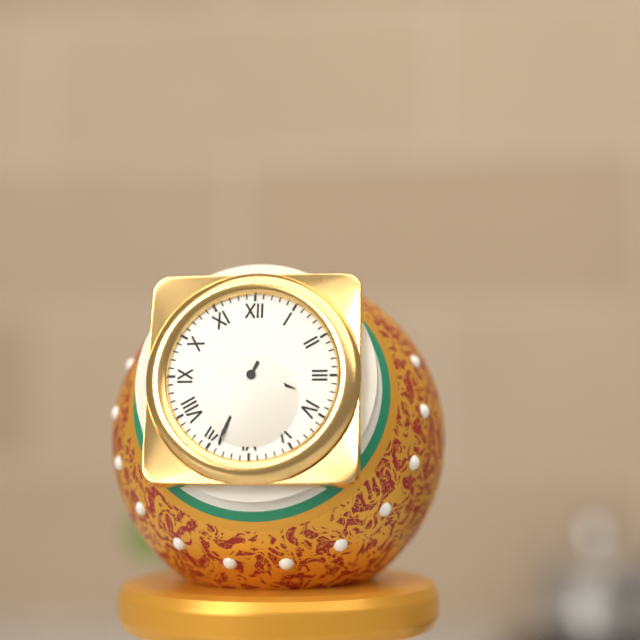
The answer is 3 h 34 min
